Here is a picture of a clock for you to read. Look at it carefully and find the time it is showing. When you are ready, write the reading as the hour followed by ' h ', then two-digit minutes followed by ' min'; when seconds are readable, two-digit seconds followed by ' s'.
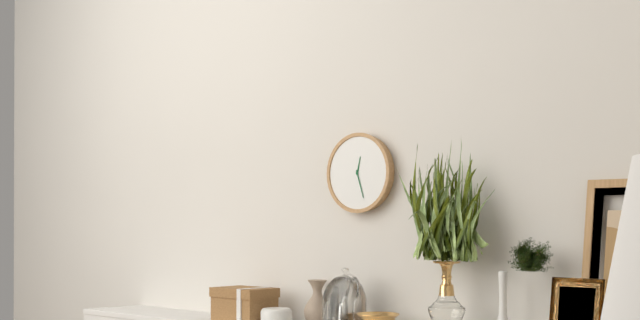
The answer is 12 h 27 min
